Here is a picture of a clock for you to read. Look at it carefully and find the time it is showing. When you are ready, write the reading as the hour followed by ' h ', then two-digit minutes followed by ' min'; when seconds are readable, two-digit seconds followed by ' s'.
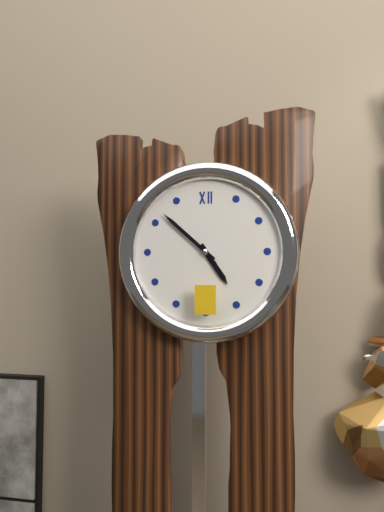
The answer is 4 h 52 min
